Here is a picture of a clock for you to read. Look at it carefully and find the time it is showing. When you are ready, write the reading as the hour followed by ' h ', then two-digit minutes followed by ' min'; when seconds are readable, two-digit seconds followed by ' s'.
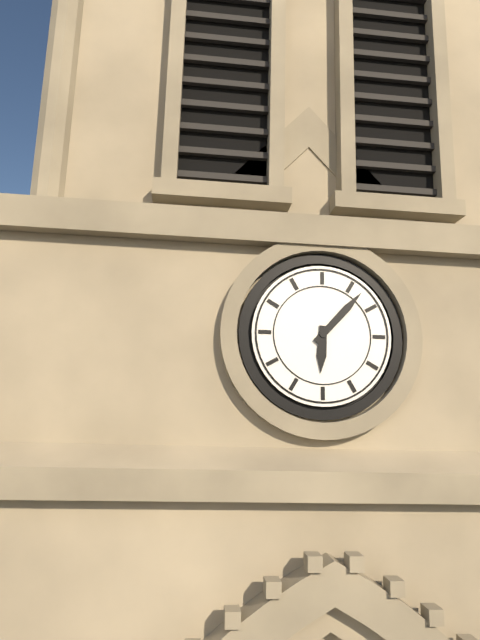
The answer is 6 h 07 min
